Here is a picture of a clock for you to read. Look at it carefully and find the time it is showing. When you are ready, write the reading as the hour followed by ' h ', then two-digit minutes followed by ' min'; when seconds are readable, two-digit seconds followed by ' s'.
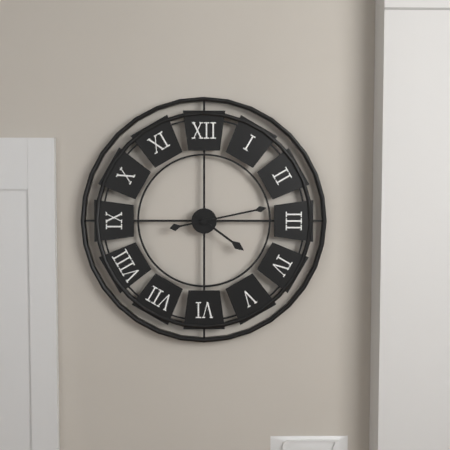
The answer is 4 h 13 min
